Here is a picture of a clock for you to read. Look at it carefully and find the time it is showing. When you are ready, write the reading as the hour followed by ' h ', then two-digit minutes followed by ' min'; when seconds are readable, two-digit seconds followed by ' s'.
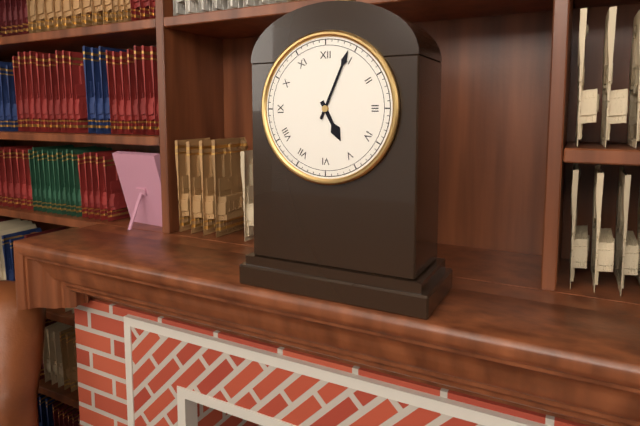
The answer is 5 h 04 min
